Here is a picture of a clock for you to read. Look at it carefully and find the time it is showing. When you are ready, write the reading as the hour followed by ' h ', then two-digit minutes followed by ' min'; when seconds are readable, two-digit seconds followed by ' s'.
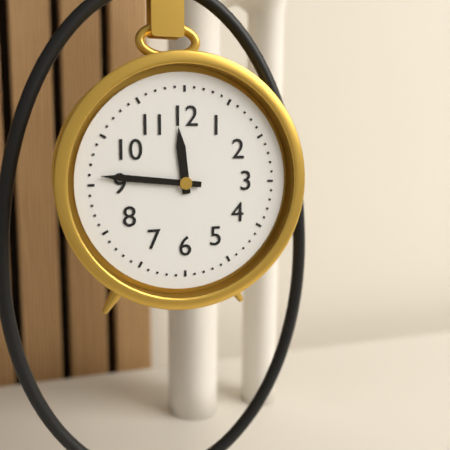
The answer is 11 h 46 min
